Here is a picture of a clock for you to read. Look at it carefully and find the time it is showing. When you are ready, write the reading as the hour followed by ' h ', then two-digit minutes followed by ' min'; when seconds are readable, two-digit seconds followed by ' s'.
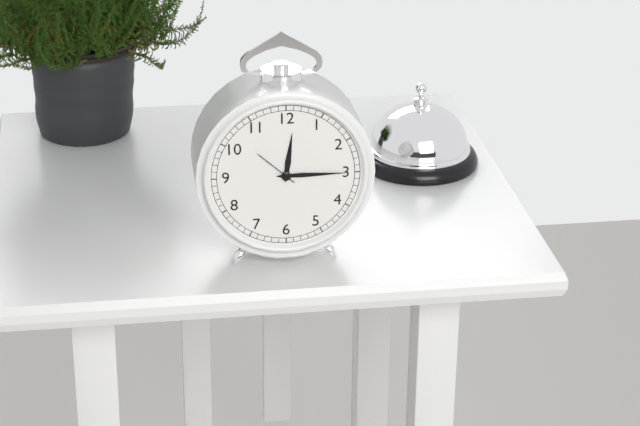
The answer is 12 h 15 min
